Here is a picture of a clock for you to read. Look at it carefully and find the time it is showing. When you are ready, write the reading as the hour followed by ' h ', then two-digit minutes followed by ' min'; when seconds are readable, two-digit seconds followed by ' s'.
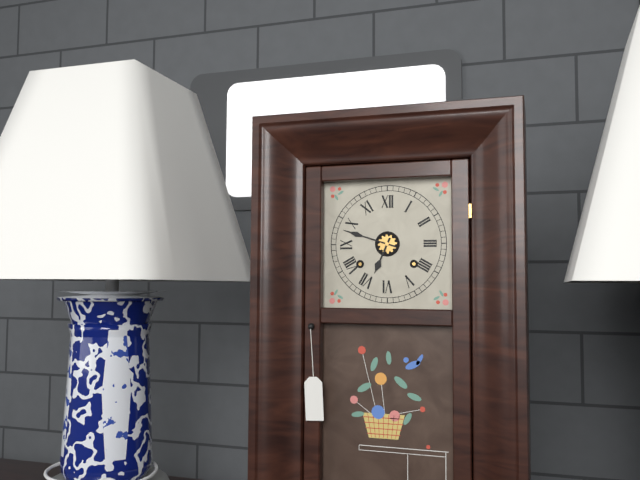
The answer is 6 h 48 min
